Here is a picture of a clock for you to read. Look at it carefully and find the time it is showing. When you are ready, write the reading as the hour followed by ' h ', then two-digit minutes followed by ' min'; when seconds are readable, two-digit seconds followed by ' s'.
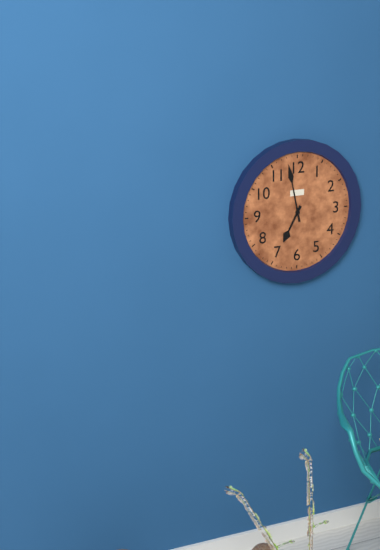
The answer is 6 h 58 min
